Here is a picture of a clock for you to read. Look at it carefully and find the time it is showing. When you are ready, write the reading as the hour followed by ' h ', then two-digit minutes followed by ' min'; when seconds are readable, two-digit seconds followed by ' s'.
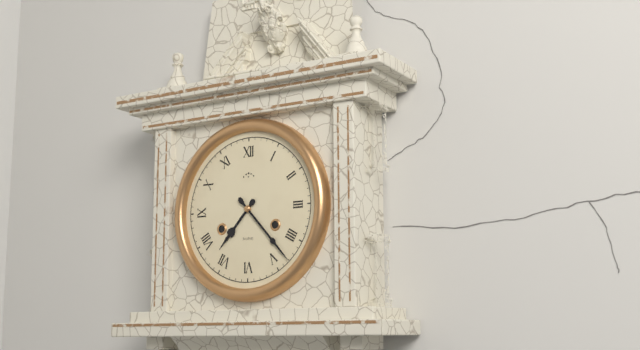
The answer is 7 h 23 min
